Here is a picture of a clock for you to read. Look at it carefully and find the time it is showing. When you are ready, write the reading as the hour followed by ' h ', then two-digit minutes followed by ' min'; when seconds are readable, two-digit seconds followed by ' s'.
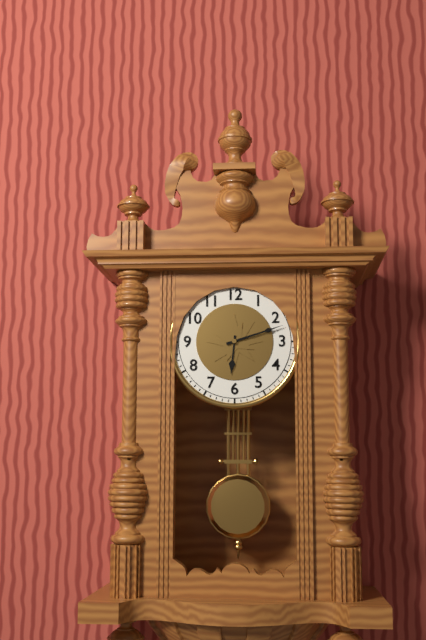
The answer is 6 h 12 min
